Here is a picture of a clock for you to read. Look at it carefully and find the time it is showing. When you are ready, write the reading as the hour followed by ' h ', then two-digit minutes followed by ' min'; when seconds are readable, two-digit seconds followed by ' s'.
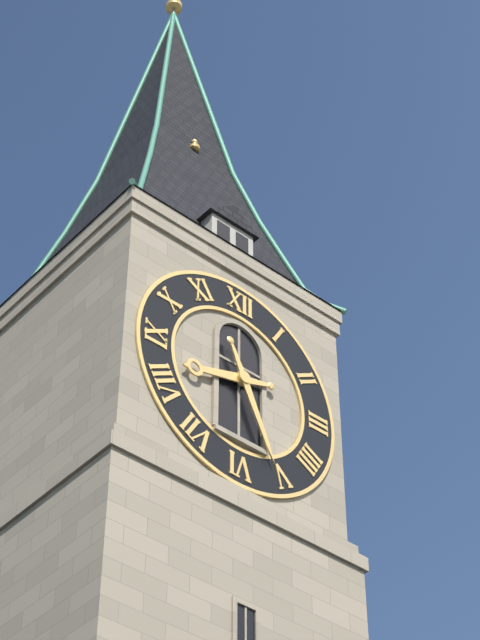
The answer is 8 h 26 min
